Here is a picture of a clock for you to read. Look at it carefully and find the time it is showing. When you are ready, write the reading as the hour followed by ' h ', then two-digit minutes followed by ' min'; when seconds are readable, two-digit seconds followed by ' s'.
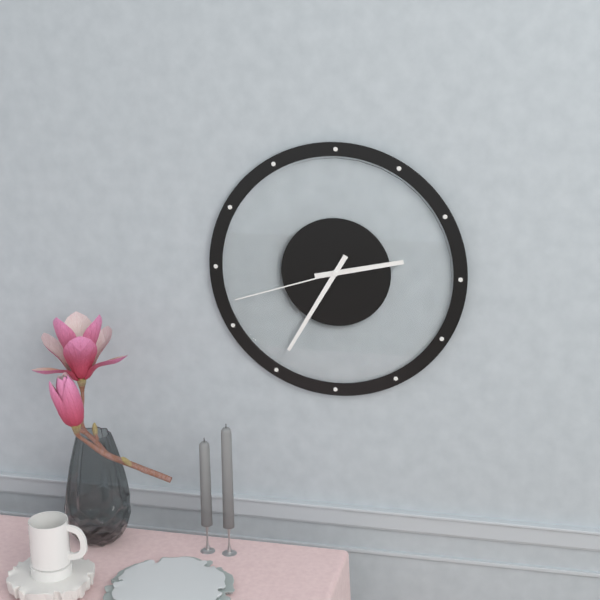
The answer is 2 h 35 min 42 s
